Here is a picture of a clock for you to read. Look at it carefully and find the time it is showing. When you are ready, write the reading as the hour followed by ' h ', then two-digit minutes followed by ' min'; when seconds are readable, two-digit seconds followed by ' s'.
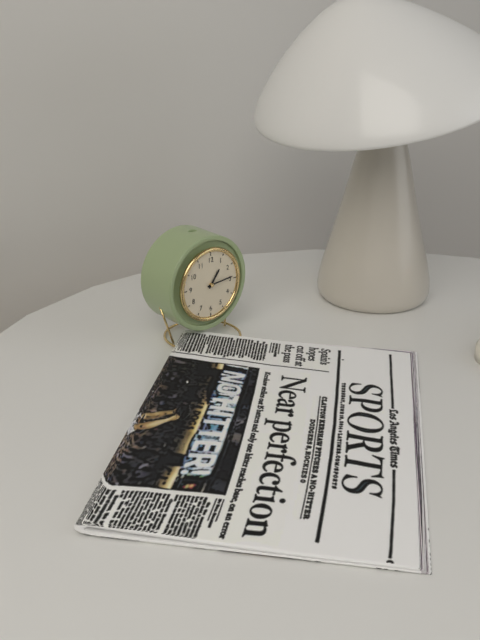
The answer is 1 h 14 min
